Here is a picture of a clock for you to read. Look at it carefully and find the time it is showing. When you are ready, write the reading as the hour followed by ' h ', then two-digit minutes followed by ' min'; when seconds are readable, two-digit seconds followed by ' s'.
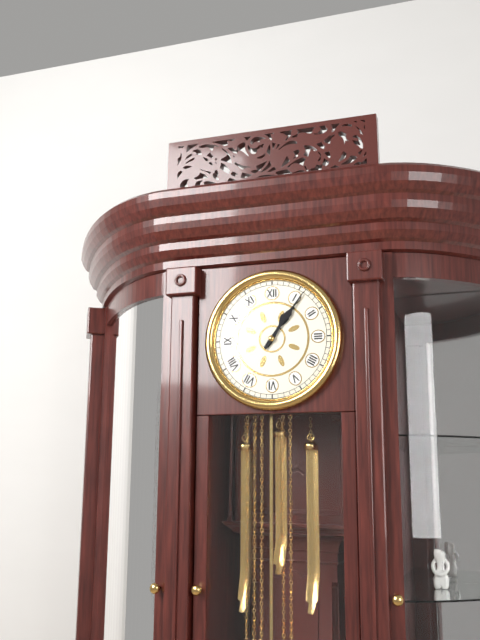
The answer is 1 h 06 min
